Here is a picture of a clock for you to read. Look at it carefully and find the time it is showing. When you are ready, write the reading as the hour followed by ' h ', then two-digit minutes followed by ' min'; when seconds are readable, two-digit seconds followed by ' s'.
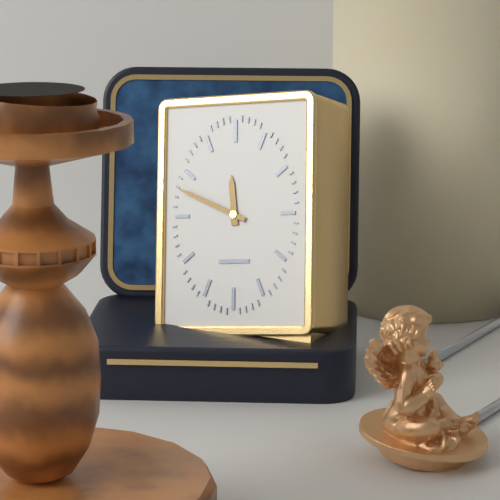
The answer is 11 h 49 min
